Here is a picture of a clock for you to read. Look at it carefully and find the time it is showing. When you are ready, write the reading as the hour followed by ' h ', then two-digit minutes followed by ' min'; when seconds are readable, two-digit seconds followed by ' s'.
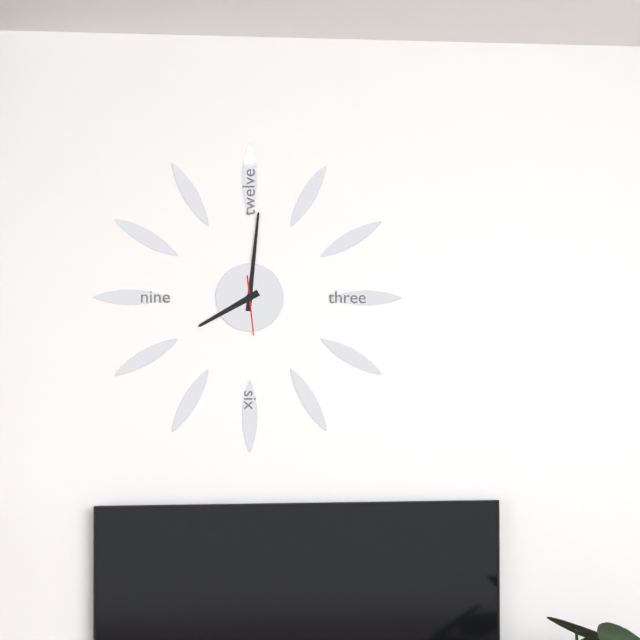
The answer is 8 h 01 min
